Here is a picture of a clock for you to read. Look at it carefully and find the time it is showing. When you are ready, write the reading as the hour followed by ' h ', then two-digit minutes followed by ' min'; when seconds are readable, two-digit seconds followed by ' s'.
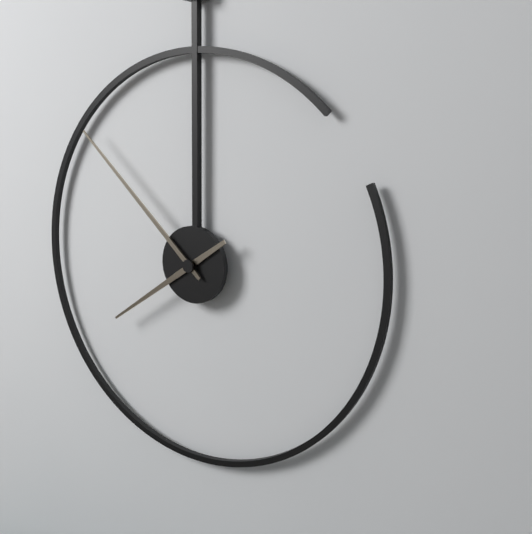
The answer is 7 h 52 min
